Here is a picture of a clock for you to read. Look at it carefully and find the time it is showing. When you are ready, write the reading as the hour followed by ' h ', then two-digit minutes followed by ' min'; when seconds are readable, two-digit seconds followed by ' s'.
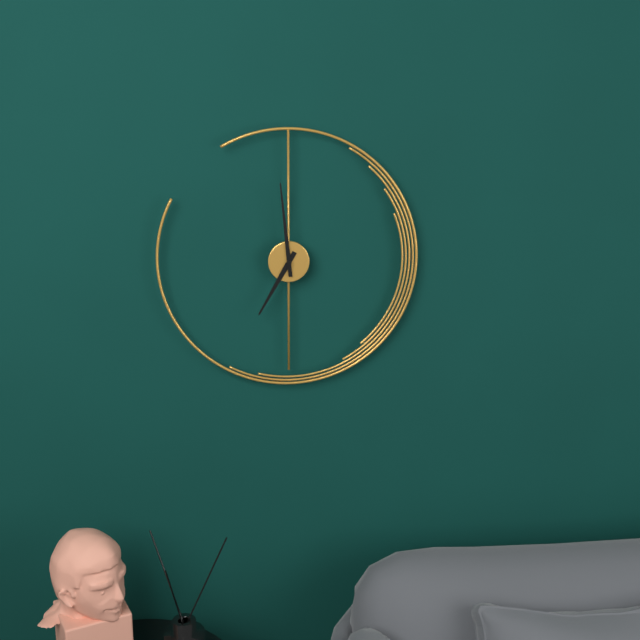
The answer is 6 h 59 min
